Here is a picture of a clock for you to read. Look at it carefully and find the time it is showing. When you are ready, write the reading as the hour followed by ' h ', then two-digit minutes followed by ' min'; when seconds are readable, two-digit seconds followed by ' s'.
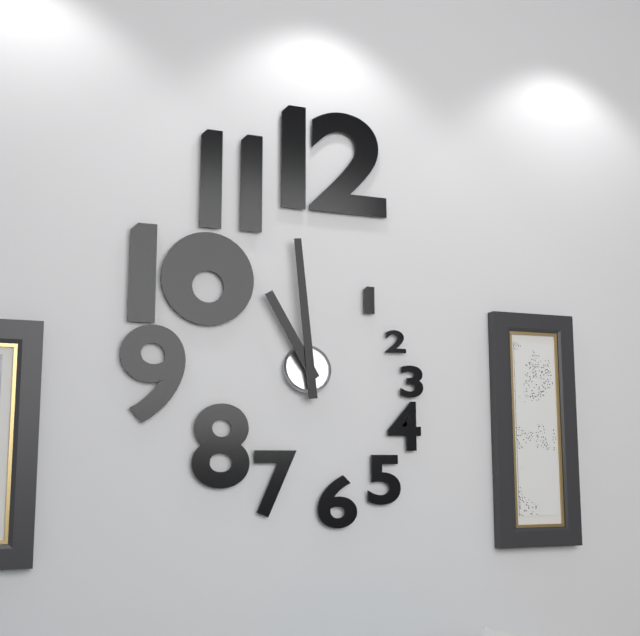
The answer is 10 h 59 min
